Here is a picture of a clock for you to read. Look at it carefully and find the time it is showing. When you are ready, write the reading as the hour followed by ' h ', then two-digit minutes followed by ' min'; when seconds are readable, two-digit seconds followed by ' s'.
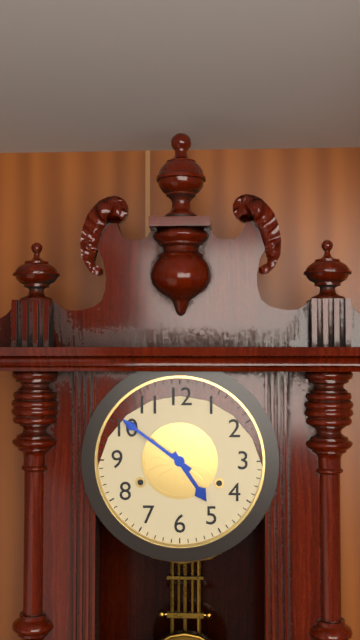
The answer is 4 h 51 min
